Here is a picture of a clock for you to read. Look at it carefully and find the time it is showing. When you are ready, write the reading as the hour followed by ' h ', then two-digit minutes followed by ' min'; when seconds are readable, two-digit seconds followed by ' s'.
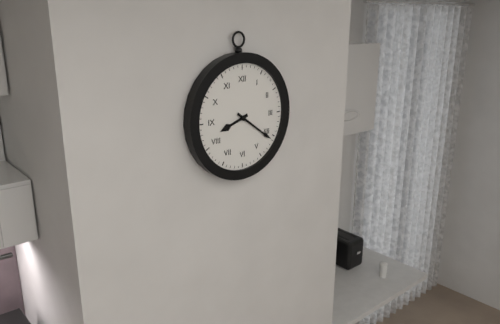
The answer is 8 h 21 min
